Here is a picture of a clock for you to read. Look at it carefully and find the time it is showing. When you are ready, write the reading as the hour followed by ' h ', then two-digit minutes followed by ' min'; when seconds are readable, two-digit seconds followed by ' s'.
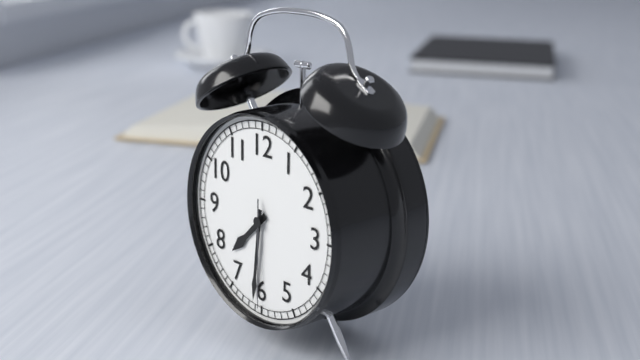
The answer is 7 h 31 min 30 s
